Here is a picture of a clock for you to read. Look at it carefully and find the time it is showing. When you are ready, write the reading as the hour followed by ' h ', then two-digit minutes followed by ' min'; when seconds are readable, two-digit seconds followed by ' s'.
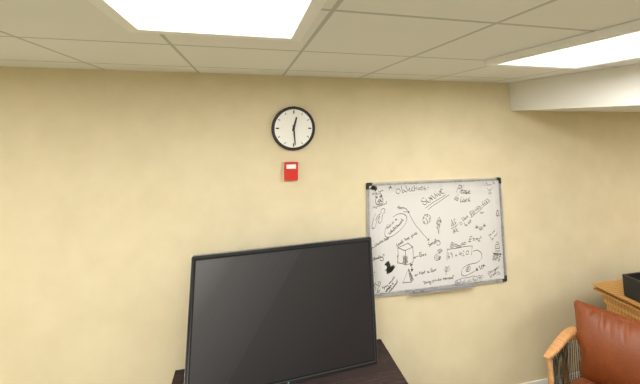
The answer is 12 h 29 min
